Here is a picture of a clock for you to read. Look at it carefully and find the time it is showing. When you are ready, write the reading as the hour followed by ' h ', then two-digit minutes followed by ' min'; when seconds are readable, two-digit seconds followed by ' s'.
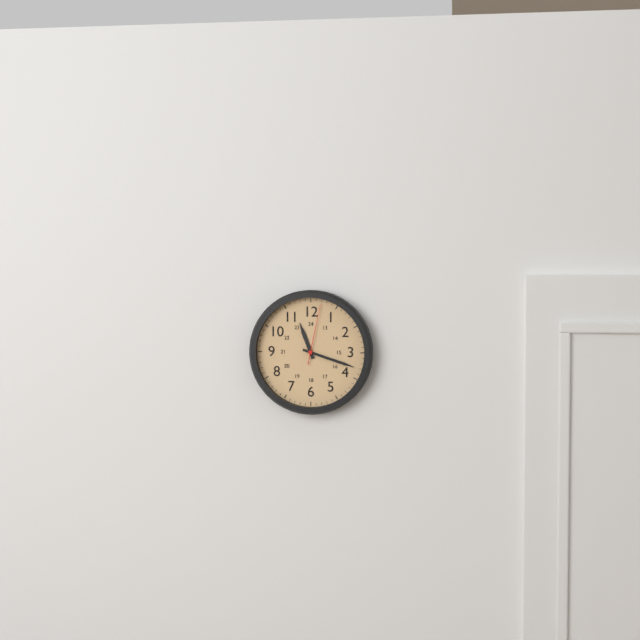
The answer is 11 h 18 min 02 s
